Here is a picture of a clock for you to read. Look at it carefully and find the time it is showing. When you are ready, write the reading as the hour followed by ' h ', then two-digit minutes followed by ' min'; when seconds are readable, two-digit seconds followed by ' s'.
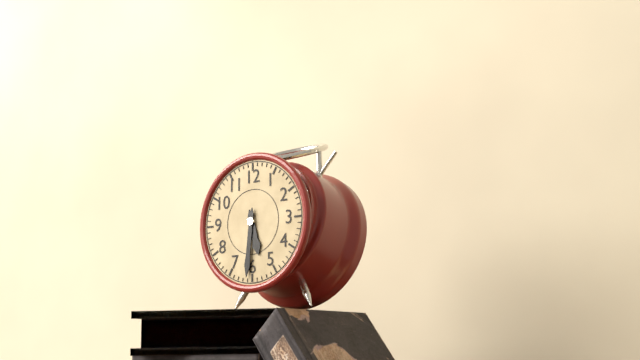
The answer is 5 h 31 min
